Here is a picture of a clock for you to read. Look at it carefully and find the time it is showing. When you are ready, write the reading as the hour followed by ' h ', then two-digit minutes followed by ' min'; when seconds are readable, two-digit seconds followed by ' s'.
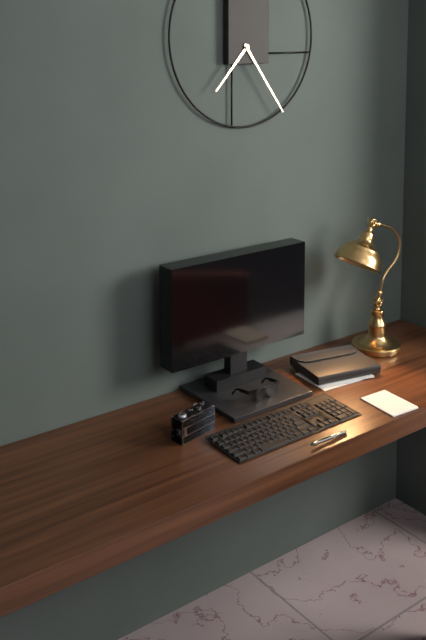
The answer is 7 h 24 min
